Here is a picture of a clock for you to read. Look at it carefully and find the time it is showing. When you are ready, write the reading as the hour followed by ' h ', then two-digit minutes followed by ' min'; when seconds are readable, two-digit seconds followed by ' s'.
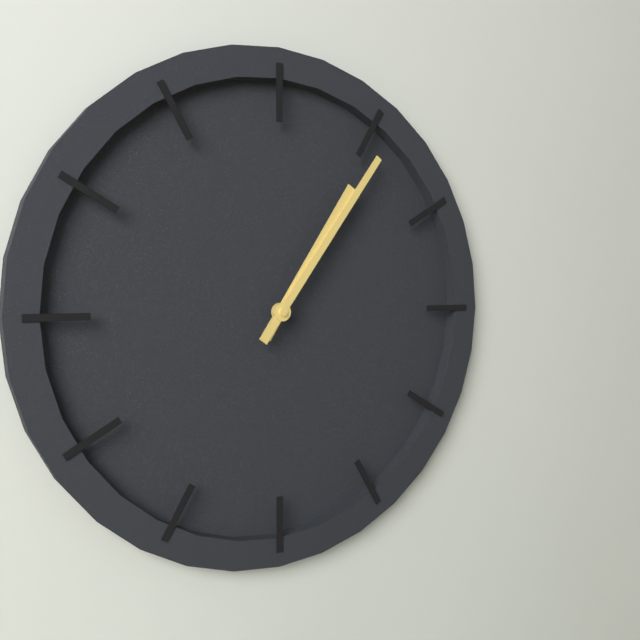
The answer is 1 h 06 min
